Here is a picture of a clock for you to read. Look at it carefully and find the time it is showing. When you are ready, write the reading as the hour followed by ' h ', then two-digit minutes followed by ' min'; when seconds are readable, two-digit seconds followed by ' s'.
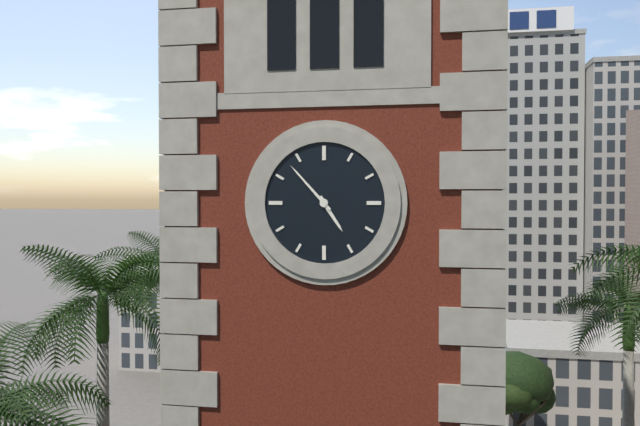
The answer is 4 h 53 min
